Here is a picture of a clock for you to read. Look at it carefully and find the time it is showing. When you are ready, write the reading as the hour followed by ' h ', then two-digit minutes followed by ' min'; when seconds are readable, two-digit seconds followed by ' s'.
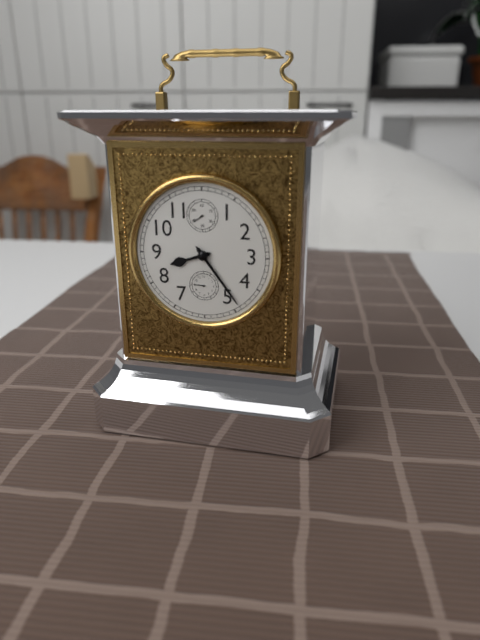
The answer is 8 h 24 min
